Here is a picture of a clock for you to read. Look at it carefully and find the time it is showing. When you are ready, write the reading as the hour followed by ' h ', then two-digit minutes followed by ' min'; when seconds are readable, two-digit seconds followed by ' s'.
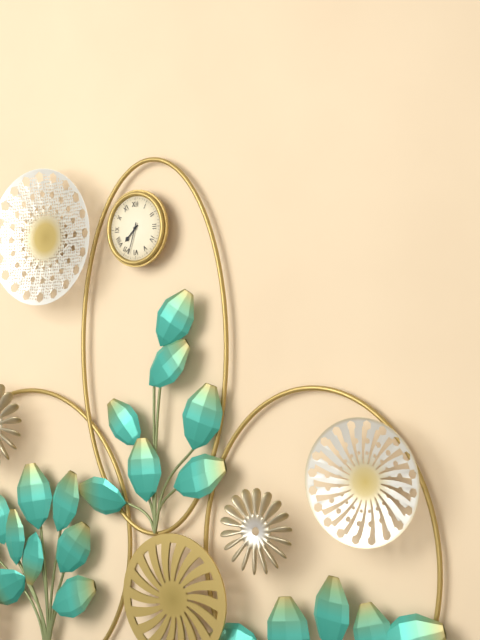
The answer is 7 h 33 min
